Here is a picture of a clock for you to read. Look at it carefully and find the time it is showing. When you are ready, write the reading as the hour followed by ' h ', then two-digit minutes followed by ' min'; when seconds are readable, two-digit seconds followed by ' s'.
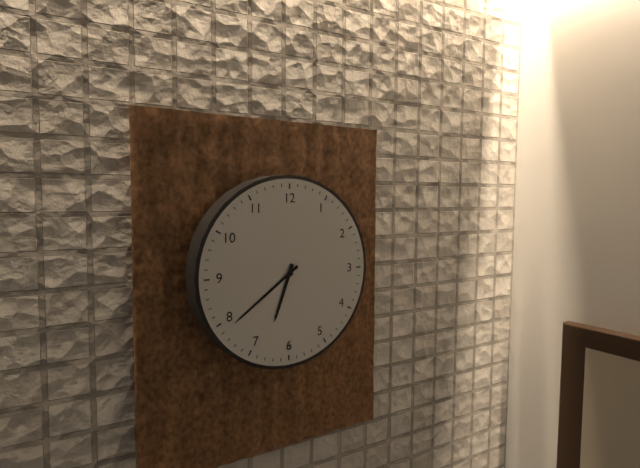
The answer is 6 h 39 min
